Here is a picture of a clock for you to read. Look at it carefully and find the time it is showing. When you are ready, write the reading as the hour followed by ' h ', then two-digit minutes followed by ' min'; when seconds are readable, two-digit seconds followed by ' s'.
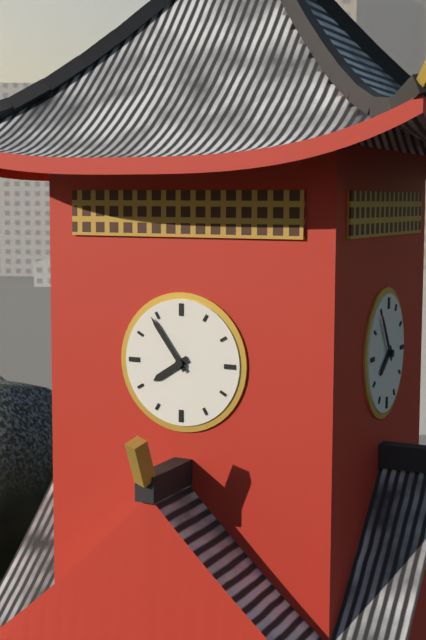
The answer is 7 h 54 min
